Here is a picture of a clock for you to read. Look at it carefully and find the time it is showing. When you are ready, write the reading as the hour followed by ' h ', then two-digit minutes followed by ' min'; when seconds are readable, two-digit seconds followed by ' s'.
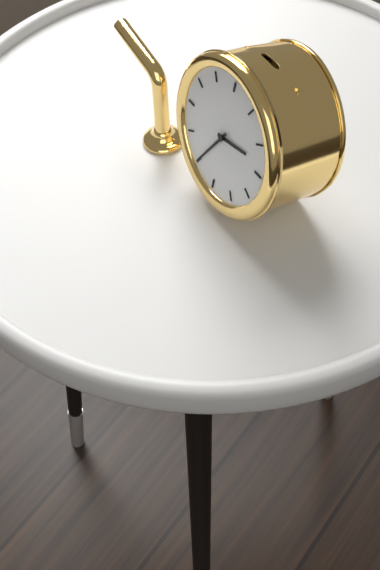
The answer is 2 h 35 min
